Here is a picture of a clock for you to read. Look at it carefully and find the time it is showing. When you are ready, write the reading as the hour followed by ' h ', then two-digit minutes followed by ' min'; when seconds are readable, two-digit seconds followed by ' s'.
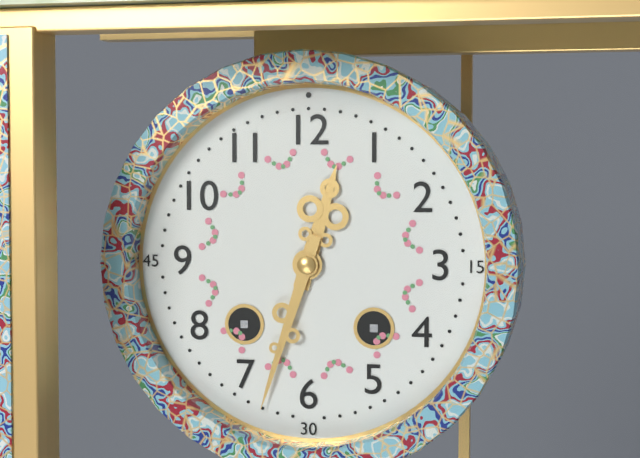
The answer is 12 h 33 min
